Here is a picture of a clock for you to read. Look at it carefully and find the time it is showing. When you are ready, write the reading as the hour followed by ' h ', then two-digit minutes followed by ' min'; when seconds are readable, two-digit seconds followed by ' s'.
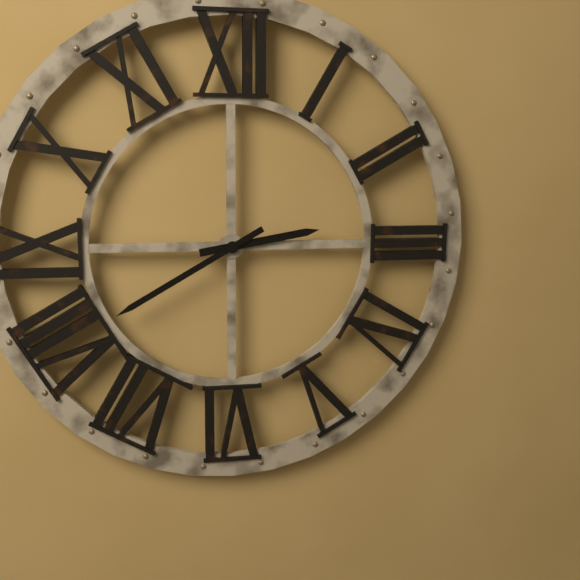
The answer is 2 h 40 min
